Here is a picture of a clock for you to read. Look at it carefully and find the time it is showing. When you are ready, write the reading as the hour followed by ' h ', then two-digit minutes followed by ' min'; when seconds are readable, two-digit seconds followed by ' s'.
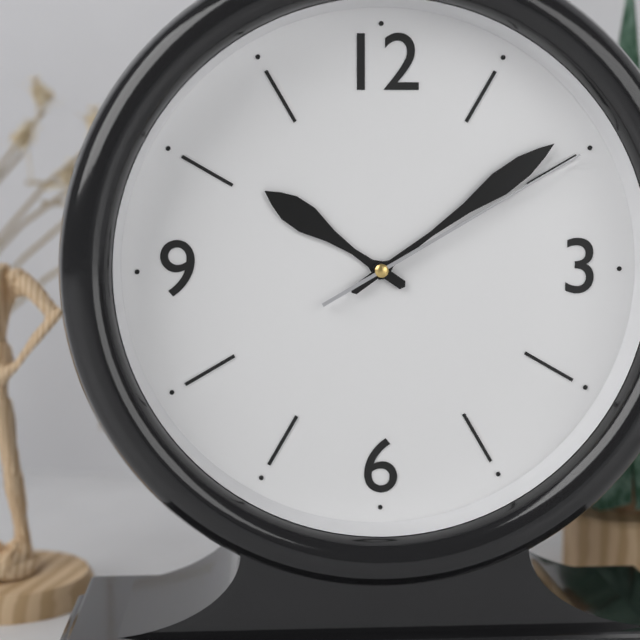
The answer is 10 h 09 min 10 s
